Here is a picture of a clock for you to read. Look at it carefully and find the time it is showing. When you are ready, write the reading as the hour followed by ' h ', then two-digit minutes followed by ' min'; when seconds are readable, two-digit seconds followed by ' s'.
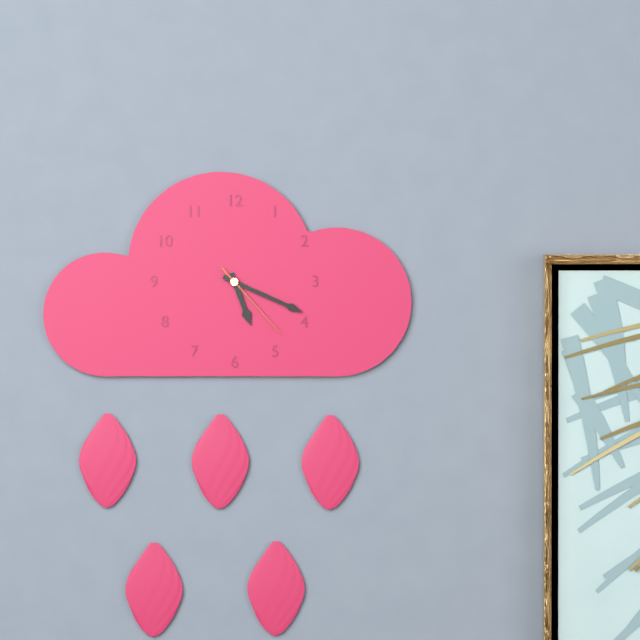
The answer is 5 h 19 min 23 s
